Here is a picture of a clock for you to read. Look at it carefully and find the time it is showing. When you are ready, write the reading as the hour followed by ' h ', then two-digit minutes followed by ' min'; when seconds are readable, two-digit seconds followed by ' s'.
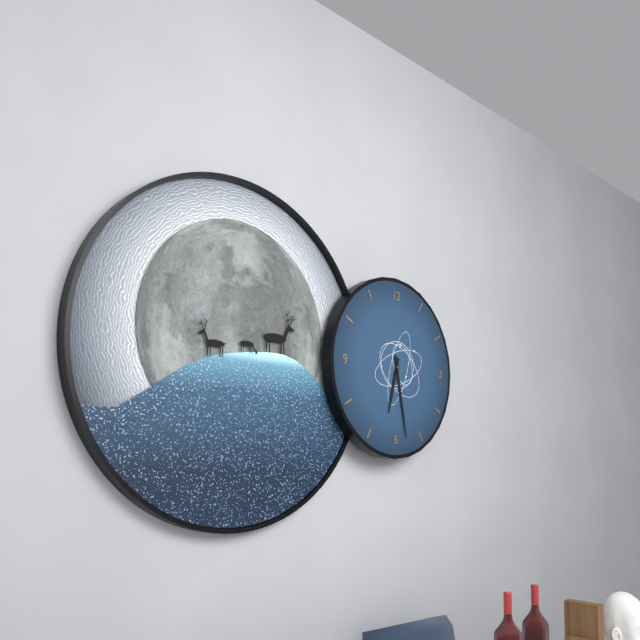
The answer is 6 h 28 min
